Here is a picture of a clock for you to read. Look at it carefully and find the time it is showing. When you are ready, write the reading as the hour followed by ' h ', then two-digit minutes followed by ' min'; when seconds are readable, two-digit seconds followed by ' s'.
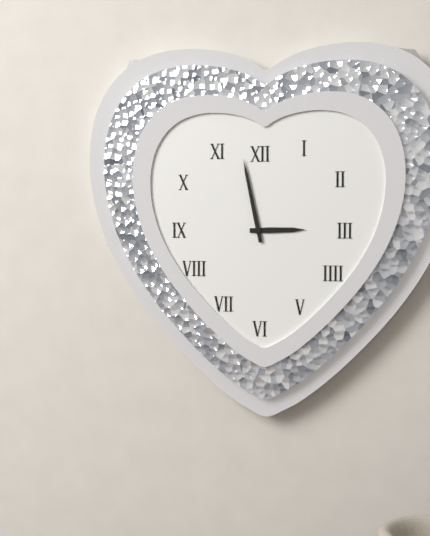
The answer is 2 h 58 min
